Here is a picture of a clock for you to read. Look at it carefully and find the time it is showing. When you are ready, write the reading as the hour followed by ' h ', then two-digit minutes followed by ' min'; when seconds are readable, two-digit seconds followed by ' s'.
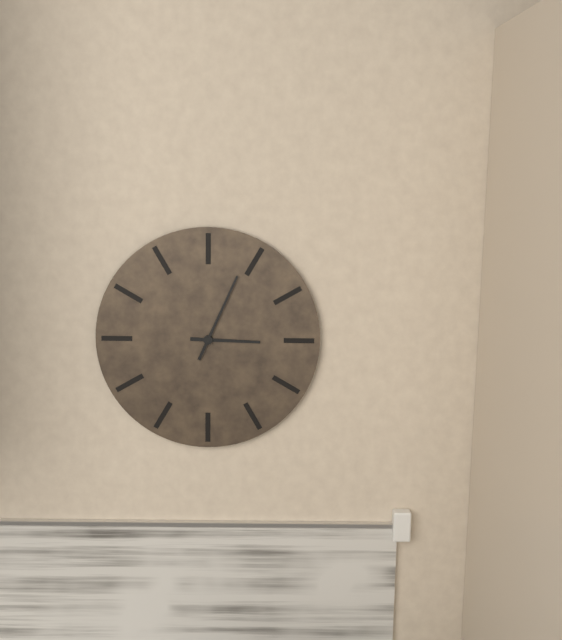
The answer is 3 h 04 min
